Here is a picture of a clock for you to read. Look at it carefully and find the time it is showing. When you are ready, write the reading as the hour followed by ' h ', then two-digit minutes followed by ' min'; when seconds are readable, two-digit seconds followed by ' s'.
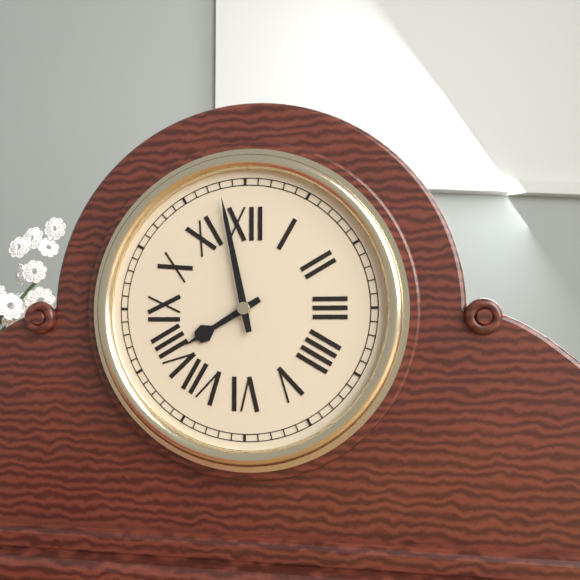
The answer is 7 h 58 min
